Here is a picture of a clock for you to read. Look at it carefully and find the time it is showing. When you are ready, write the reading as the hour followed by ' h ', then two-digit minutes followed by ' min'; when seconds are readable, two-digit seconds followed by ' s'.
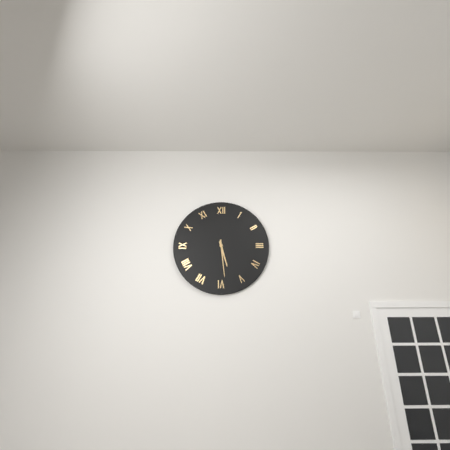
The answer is 5 h 29 min
